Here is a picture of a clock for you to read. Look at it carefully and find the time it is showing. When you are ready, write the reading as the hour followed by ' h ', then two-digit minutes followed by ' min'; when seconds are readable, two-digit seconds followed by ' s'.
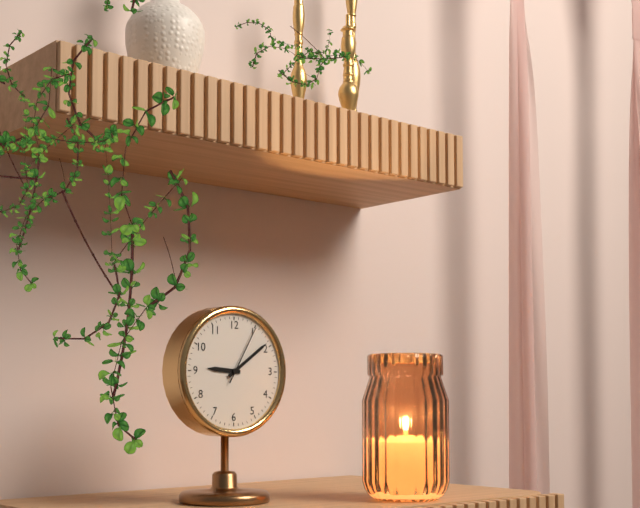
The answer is 9 h 09 min 05 s
